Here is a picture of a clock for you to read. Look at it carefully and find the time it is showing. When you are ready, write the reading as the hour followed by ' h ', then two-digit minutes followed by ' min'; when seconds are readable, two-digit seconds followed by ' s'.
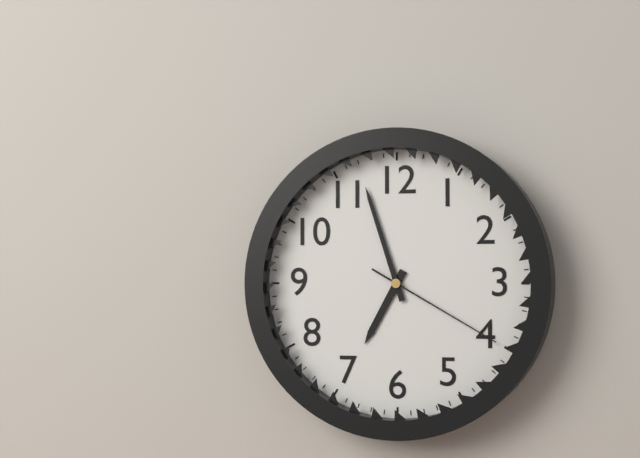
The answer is 6 h 57 min 20 s
